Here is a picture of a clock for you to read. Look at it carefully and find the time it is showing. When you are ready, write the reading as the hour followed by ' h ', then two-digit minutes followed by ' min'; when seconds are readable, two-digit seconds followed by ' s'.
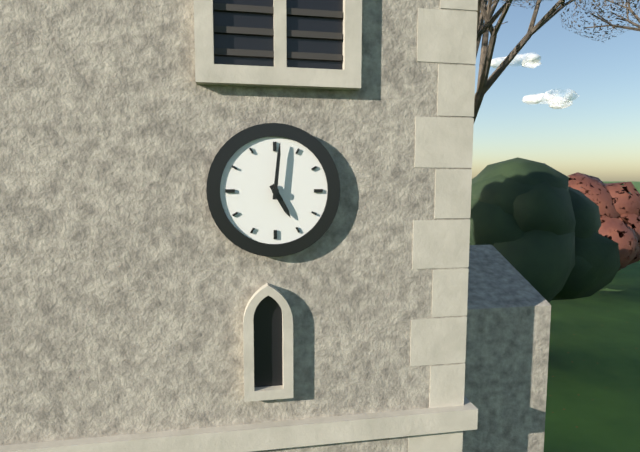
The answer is 5 h 01 min
